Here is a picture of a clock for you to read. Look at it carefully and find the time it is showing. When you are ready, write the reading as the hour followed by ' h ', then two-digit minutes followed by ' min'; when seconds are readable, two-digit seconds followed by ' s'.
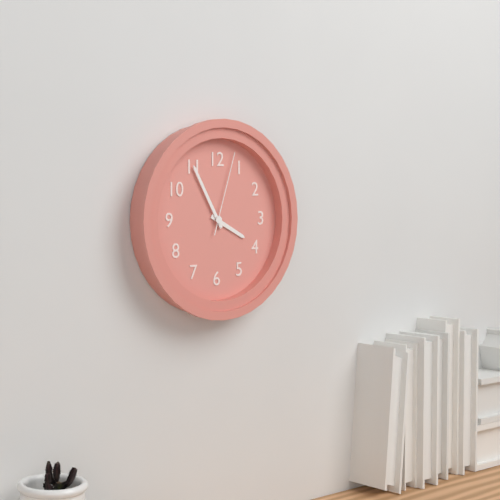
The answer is 3 h 55 min 03 s
